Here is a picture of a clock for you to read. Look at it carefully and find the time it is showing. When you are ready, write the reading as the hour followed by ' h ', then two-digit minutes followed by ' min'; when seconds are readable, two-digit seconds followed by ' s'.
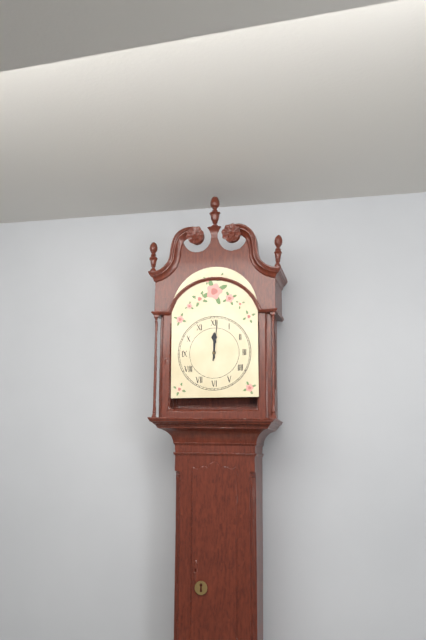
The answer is 12 h 01 min
